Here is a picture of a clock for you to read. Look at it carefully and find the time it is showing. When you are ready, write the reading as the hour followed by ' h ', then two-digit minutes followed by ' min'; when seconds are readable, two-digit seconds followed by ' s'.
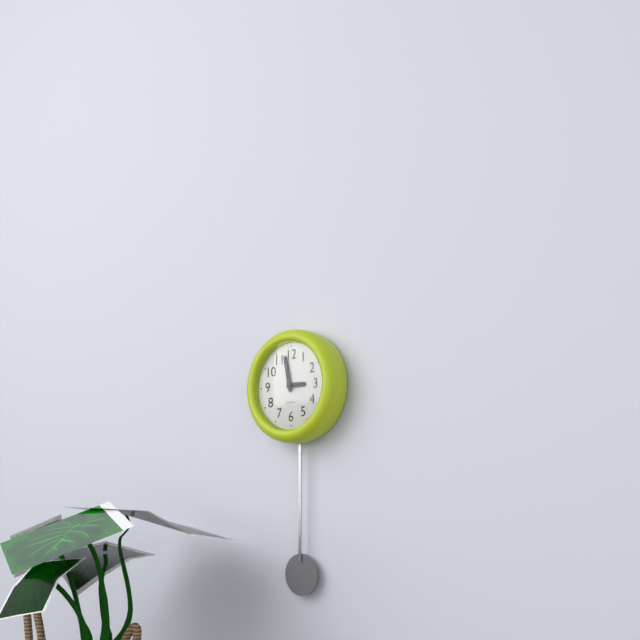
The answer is 2 h 58 min
